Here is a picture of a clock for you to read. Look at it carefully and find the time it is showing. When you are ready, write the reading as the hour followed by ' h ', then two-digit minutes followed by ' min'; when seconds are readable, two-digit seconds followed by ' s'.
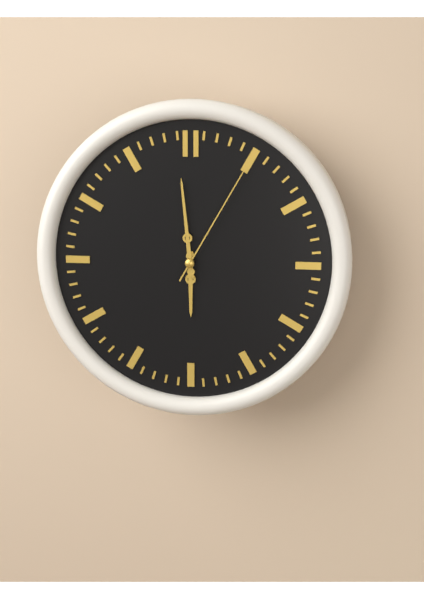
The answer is 5 h 59 min 05 s
